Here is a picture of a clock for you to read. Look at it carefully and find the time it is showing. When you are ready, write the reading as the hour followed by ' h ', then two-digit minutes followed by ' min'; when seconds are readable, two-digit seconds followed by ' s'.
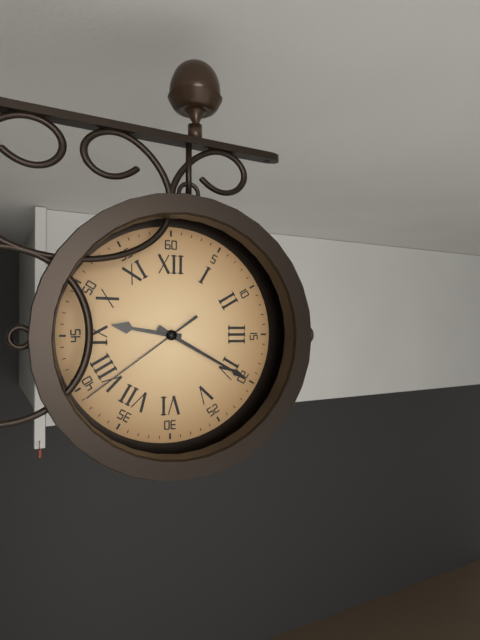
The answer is 9 h 20 min 39 s
